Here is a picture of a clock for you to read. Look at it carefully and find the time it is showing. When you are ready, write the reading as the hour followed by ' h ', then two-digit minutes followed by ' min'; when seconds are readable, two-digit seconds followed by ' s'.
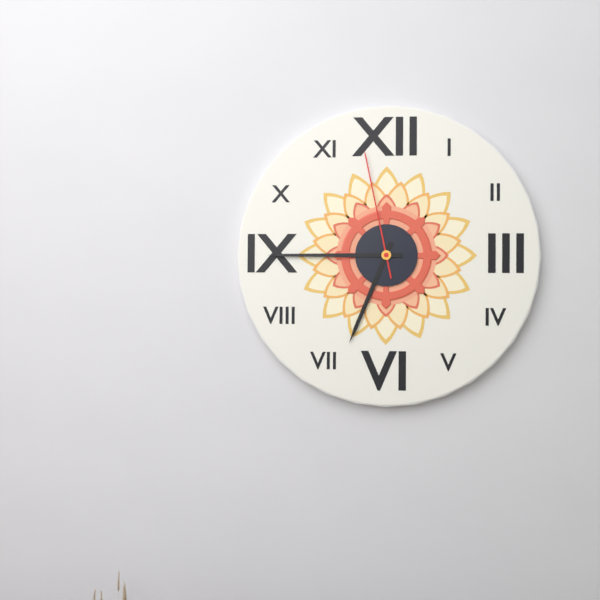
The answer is 6 h 45 min 58 s
